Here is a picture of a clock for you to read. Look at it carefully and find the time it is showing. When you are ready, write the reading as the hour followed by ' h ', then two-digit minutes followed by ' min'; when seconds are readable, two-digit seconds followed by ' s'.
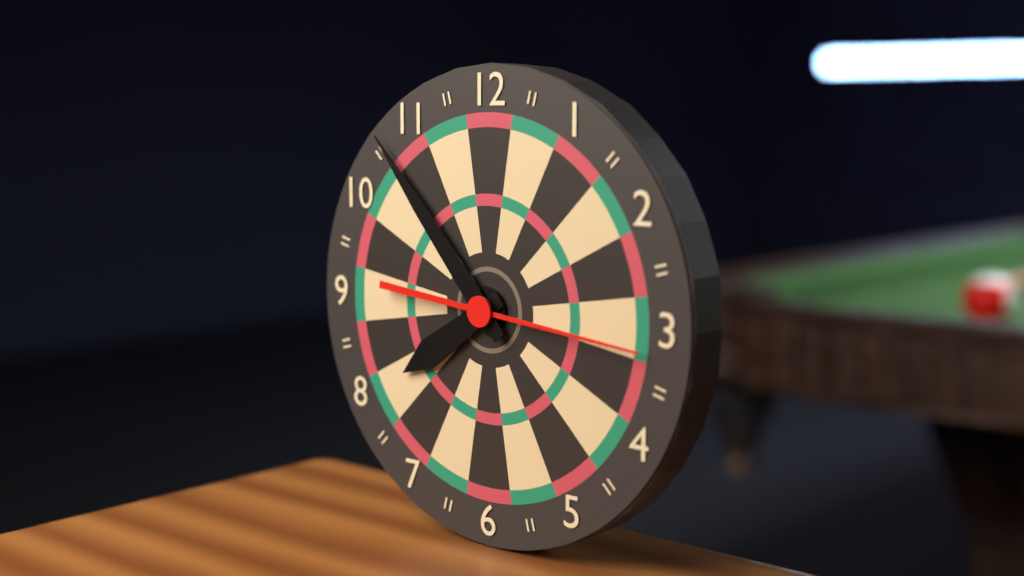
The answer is 7 h 53 min 16 s
